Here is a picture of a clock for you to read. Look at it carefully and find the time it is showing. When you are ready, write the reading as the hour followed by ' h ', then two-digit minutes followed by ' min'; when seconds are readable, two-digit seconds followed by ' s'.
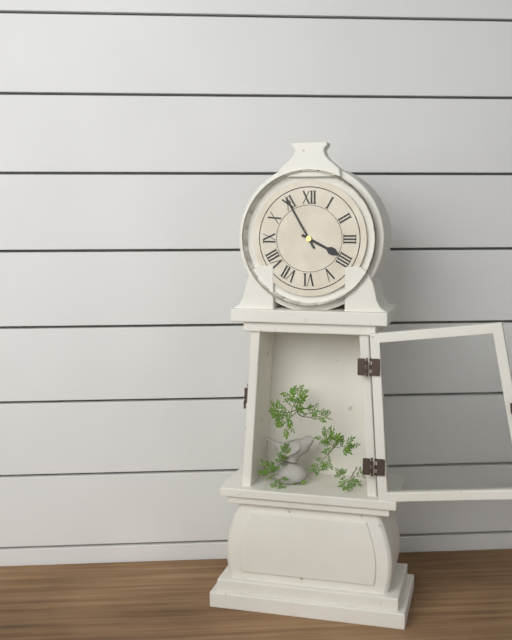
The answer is 3 h 55 min
